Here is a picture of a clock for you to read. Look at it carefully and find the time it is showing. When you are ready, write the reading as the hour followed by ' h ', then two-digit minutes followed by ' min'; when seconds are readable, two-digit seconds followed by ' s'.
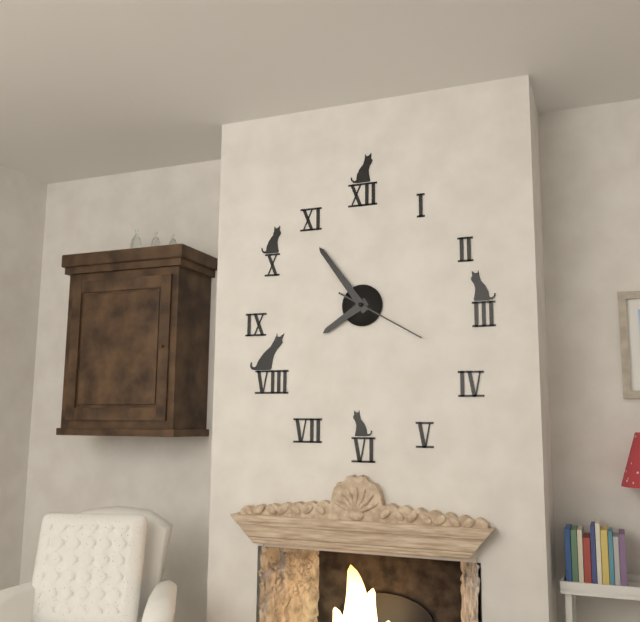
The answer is 7 h 54 min 20 s
